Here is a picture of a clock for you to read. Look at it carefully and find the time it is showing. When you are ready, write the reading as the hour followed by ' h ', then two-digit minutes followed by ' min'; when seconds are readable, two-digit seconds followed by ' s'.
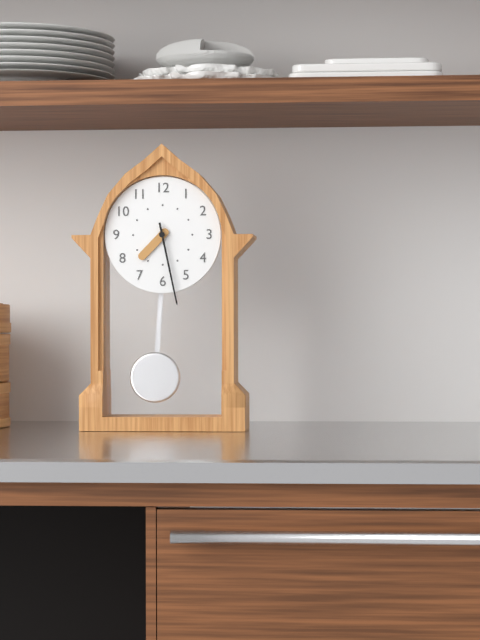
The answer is 7 h 28 min
